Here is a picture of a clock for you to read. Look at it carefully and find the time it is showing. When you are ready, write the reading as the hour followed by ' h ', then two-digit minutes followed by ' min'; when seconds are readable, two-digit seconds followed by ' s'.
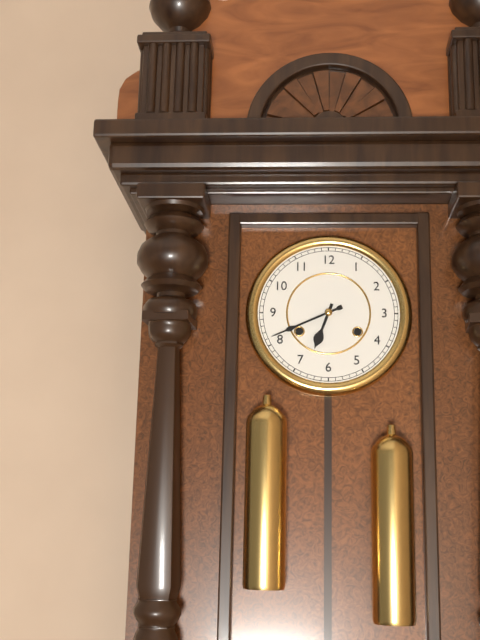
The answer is 6 h 41 min
